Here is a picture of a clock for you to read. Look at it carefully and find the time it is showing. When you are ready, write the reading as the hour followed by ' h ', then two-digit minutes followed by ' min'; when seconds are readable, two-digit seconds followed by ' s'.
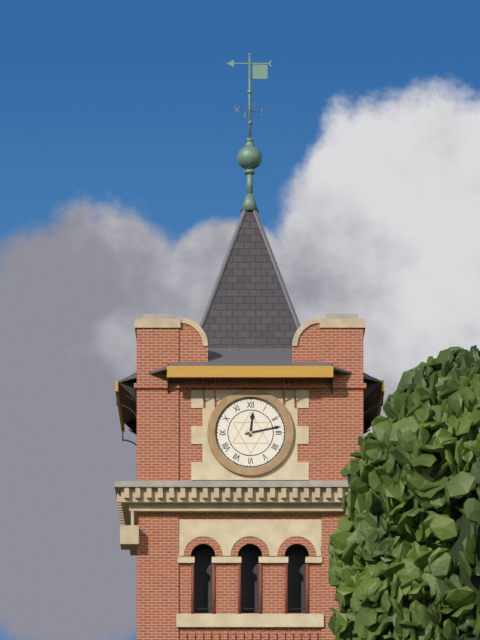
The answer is 12 h 13 min
